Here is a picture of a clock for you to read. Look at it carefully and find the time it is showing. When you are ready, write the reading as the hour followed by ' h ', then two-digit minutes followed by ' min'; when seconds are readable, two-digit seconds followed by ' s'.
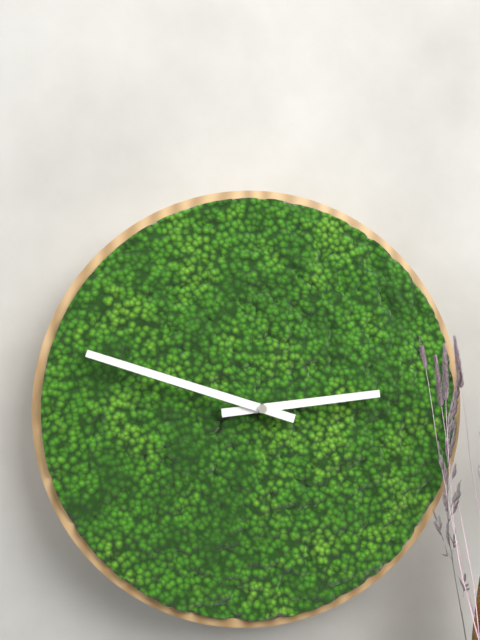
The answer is 2 h 48 min
